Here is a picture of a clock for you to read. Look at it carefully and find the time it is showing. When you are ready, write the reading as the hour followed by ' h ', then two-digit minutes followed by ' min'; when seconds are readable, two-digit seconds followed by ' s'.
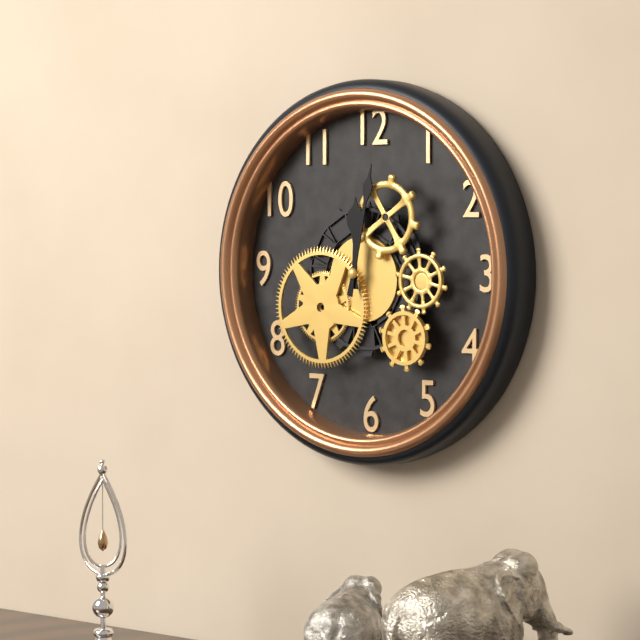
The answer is 12 h 02 min
